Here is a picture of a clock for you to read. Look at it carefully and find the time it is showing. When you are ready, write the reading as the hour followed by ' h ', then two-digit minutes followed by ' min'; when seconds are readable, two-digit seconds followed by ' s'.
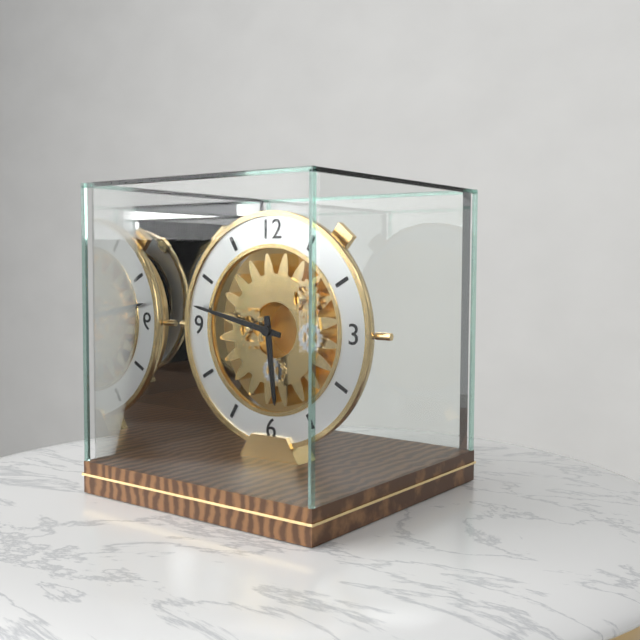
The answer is 5 h 47 min
